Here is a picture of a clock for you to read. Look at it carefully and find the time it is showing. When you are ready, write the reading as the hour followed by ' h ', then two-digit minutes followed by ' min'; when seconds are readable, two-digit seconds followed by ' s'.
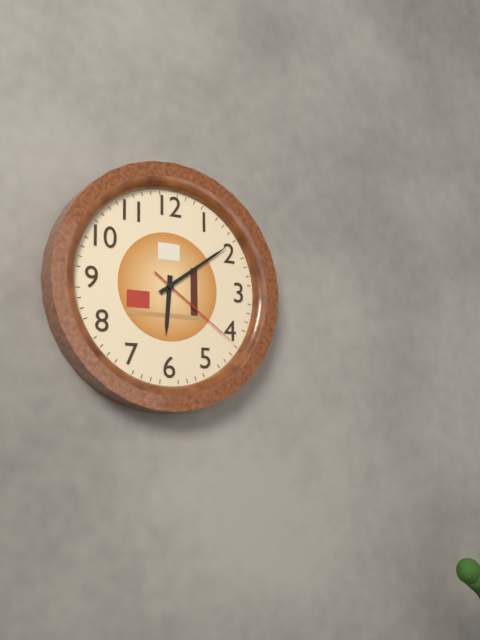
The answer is 6 h 09 min 21 s
